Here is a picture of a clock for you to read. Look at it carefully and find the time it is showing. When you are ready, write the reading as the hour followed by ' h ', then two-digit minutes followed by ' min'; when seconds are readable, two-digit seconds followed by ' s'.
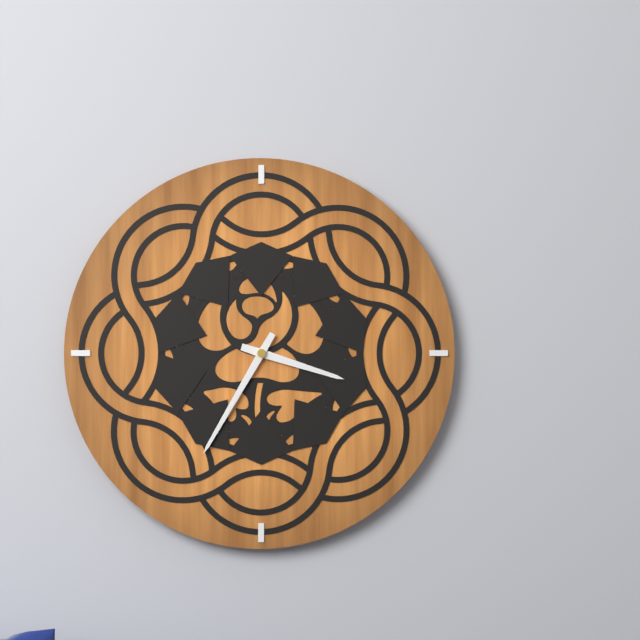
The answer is 3 h 35 min
